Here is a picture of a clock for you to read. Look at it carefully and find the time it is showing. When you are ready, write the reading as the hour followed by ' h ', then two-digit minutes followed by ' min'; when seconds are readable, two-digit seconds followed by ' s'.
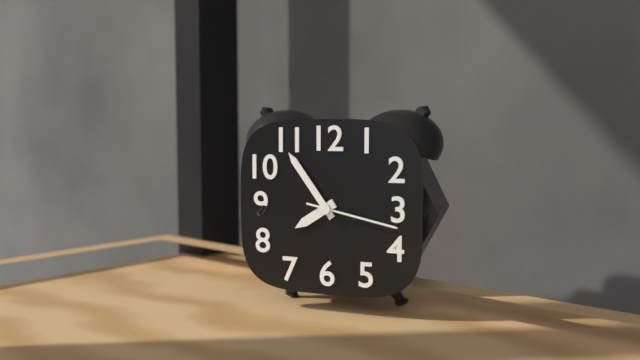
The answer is 7 h 54 min 17 s
